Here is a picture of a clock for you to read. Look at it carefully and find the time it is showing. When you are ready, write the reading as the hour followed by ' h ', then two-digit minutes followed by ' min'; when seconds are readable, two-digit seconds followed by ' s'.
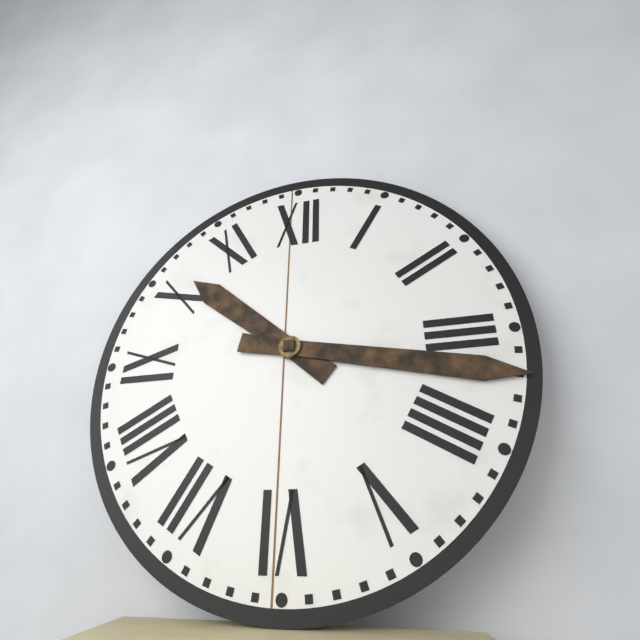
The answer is 10 h 17 min
